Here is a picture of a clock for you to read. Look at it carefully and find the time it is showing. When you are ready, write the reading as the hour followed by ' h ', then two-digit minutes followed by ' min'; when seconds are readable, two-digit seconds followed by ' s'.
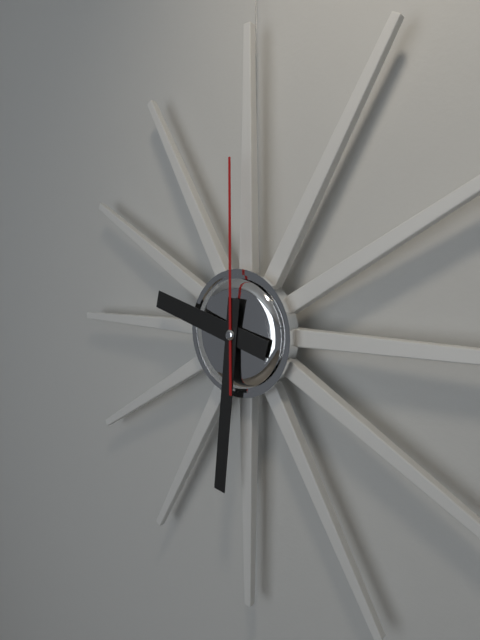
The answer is 9 h 31 min 00 s
